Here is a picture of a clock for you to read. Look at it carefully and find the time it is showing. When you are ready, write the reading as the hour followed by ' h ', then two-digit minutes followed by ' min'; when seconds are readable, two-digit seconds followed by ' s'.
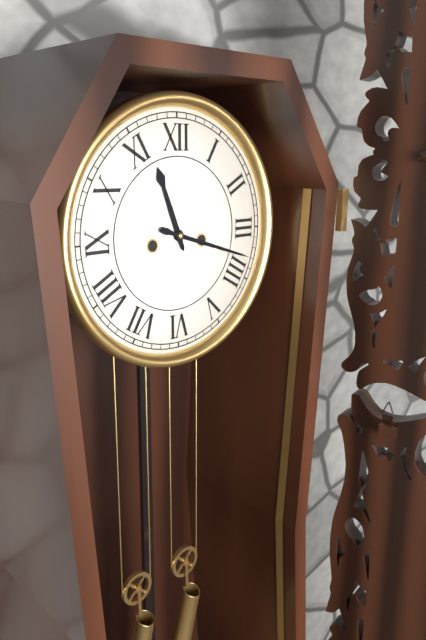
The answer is 11 h 18 min
